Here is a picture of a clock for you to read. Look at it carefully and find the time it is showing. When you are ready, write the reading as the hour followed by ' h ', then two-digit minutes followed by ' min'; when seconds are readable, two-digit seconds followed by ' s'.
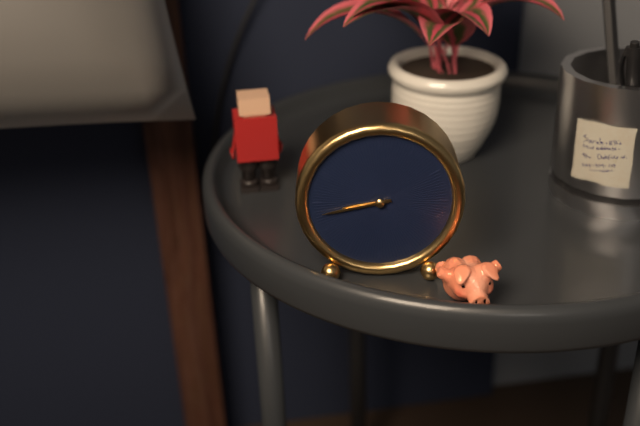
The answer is 8 h 43 min
